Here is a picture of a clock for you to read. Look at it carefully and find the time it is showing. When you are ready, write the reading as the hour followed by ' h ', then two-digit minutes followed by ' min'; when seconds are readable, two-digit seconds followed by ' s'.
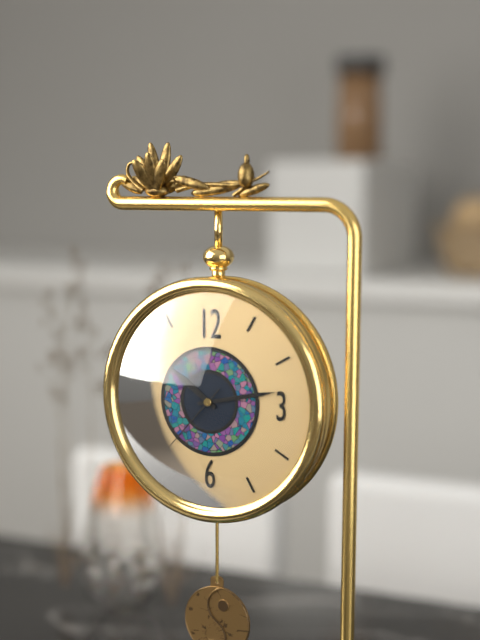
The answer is 10 h 13 min 37 s
